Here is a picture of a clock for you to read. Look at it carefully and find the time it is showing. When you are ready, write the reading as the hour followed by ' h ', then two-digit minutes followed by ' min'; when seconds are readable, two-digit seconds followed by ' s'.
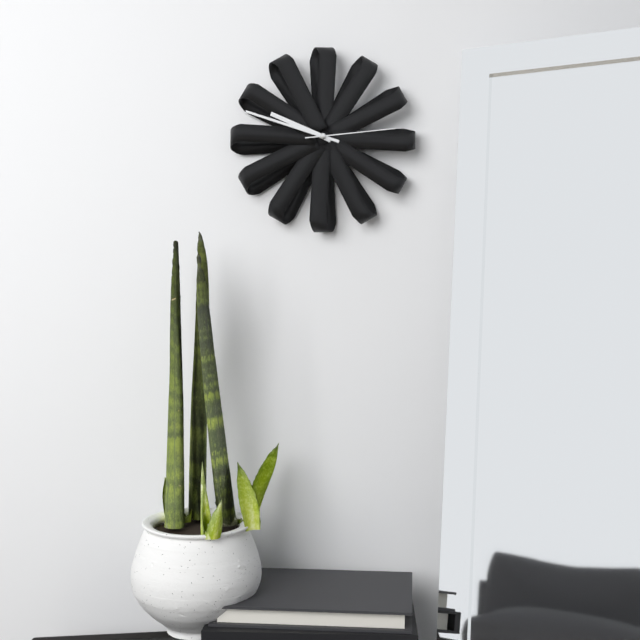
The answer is 9 h 48 min 14 s
